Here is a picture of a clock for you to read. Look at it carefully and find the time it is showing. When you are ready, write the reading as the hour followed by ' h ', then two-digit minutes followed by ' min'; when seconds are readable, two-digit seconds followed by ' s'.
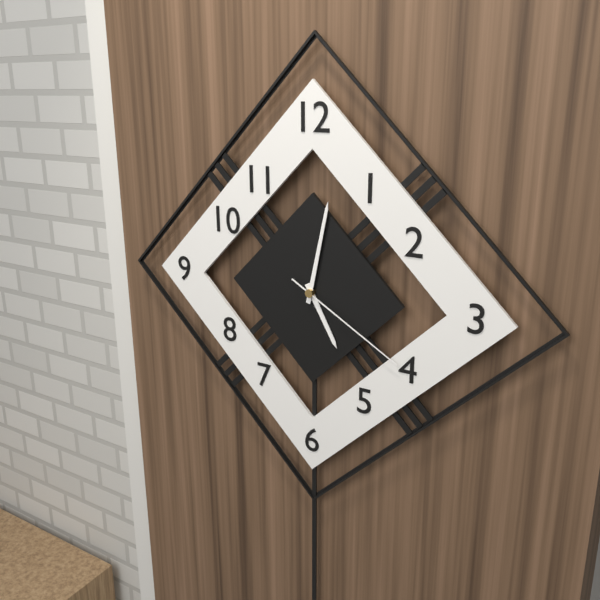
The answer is 5 h 02 min 20 s
